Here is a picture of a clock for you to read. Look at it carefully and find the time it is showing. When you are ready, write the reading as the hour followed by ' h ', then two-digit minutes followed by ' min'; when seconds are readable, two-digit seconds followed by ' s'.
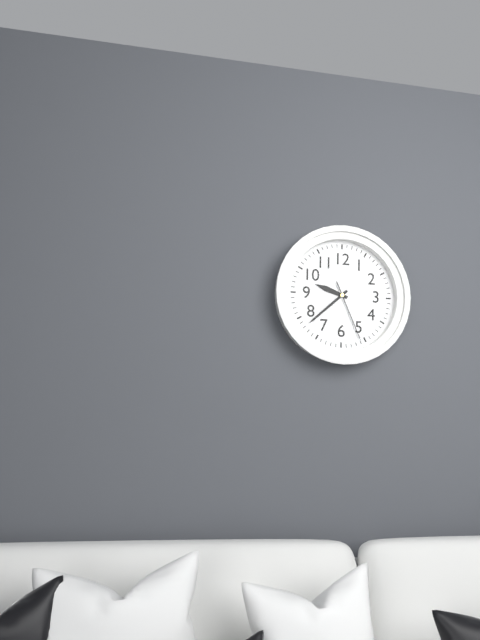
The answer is 9 h 38 min 26 s
